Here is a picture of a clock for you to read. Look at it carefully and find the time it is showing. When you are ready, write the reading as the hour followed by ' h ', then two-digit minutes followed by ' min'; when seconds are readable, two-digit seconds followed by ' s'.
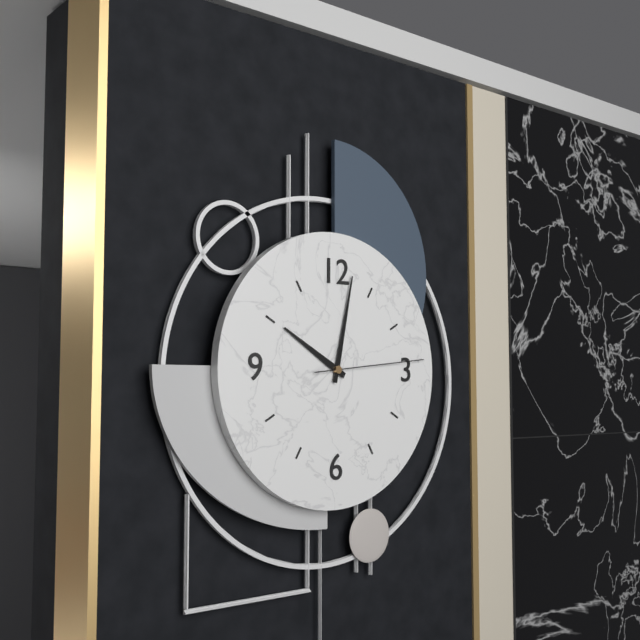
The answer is 10 h 02 min 14 s
